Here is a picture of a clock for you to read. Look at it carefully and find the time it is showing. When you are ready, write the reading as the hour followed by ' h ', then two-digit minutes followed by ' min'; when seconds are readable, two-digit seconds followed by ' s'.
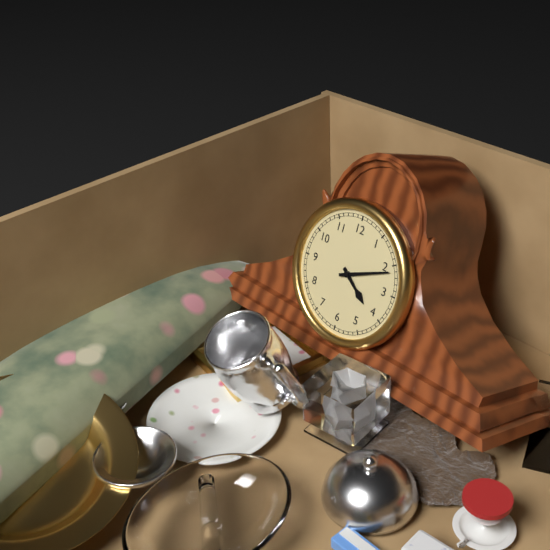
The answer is 4 h 11 min
